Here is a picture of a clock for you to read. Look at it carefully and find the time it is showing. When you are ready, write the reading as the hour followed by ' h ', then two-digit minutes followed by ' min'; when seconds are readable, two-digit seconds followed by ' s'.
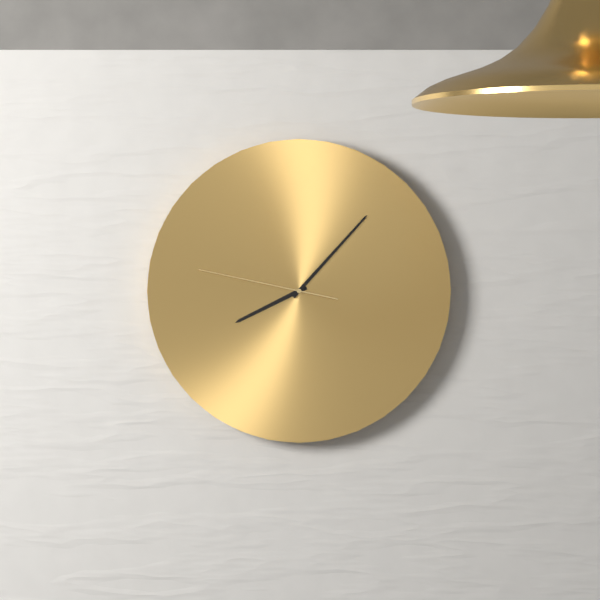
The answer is 8 h 07 min 47 s
